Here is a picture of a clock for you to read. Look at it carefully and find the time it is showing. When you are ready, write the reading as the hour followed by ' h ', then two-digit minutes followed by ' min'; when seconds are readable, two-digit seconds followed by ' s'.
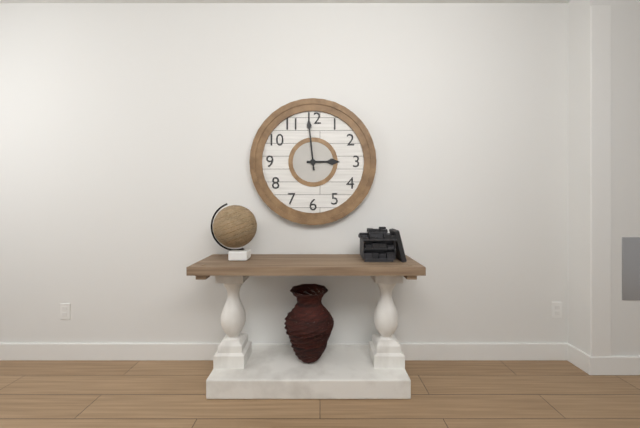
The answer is 2 h 59 min
